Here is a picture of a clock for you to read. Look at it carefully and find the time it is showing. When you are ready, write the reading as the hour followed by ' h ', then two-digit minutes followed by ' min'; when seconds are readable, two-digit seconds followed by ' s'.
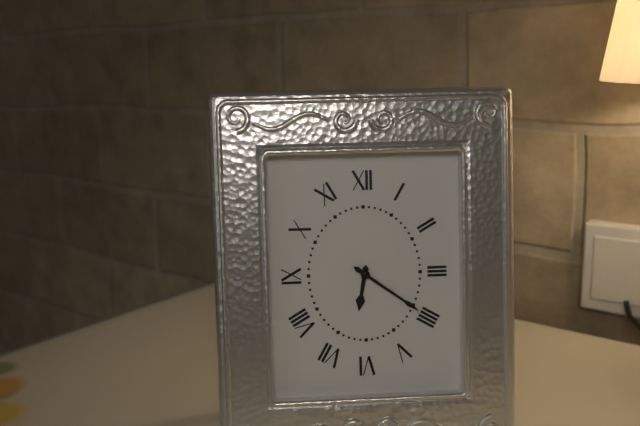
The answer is 6 h 21 min
